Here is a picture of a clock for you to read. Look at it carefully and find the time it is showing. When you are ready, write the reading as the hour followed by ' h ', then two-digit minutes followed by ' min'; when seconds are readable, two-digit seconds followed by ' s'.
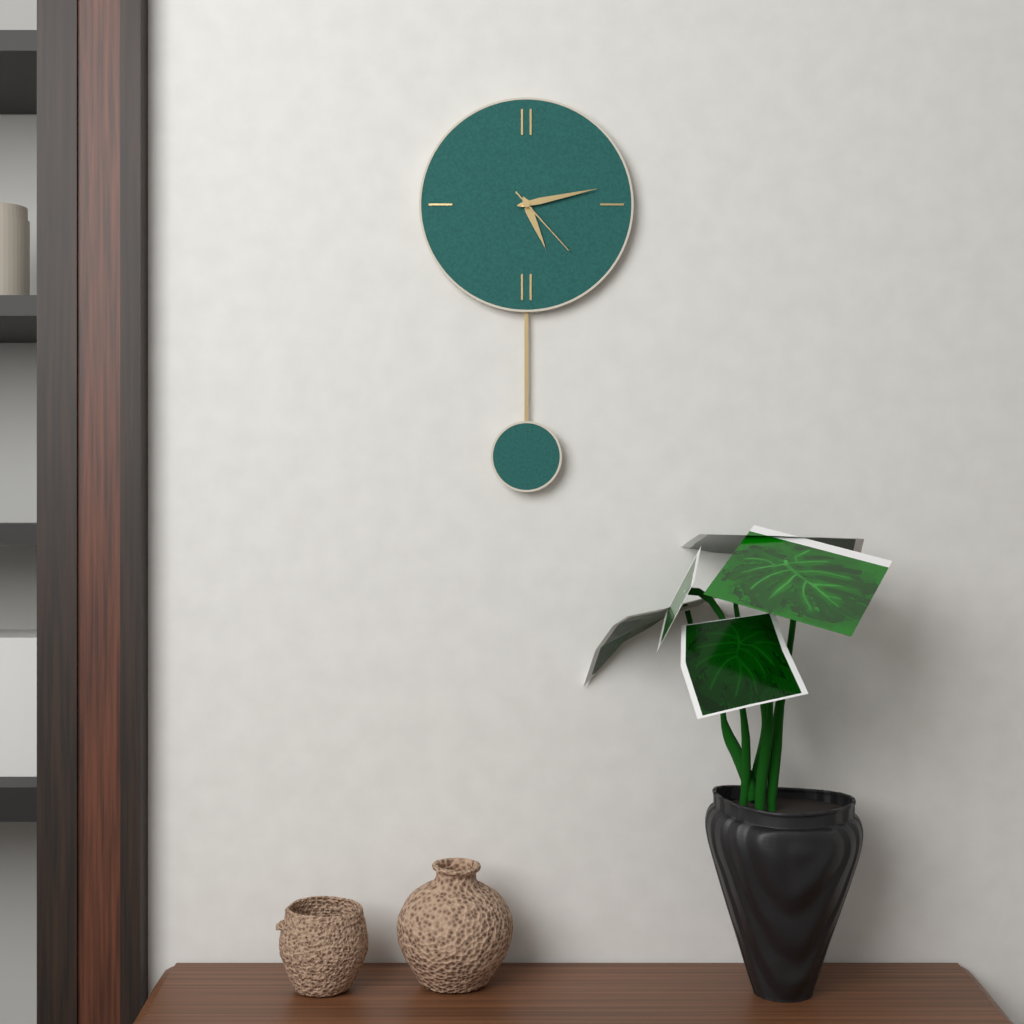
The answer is 5 h 13 min 23 s
